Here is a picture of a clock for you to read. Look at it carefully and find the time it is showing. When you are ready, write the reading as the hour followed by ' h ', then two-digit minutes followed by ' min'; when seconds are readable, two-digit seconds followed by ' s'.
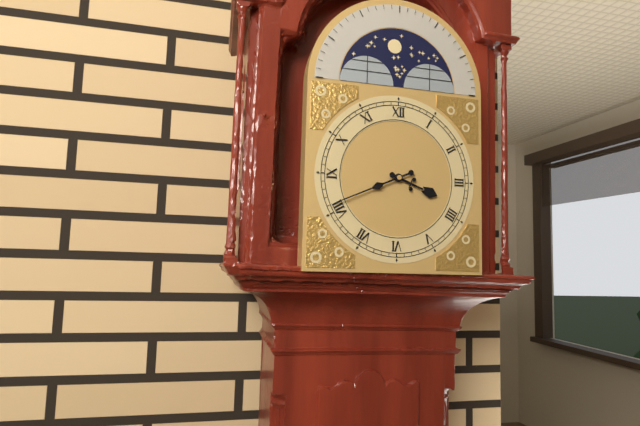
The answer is 3 h 41 min
